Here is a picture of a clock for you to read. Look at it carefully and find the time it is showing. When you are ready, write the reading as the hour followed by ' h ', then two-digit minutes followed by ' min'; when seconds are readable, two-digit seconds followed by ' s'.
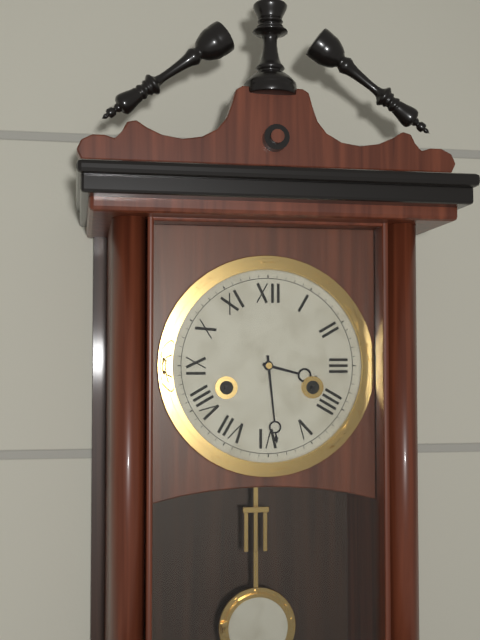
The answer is 3 h 29 min
